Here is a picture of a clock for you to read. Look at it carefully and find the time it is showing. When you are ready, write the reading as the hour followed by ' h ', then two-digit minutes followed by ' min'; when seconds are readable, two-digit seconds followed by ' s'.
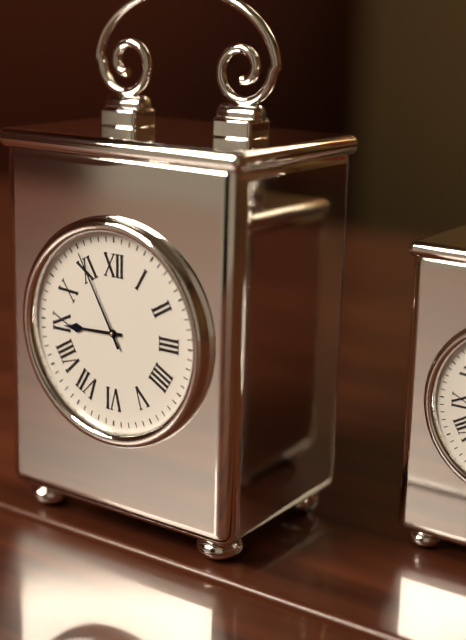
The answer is 8 h 55 min
